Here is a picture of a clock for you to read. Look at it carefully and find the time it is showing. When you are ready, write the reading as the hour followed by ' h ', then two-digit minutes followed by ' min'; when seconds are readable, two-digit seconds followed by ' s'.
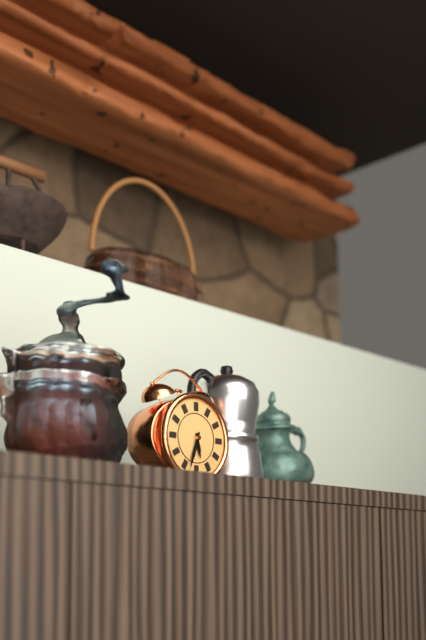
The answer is 5 h 33 min
